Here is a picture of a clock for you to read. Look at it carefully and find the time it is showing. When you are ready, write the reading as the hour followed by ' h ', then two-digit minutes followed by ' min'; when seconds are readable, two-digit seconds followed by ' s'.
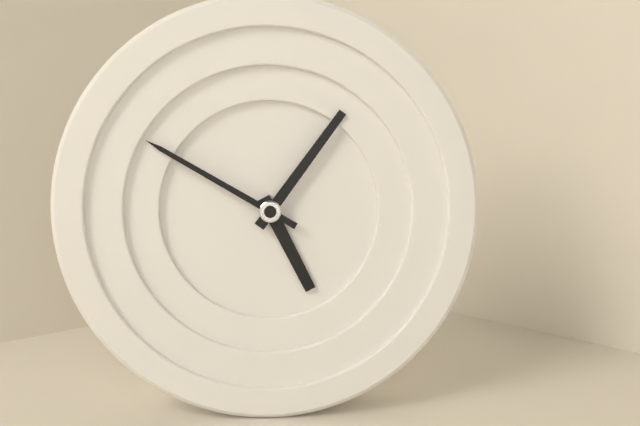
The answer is 5 h 06 min 50 s
